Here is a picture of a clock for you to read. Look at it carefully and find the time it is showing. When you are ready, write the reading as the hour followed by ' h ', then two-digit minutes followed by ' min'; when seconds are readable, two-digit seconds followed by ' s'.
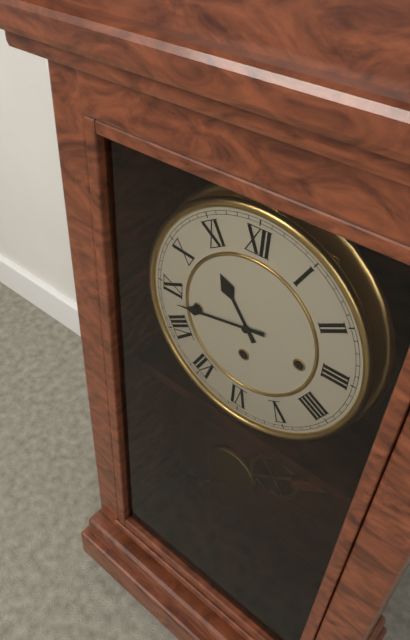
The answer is 10 h 43 min
